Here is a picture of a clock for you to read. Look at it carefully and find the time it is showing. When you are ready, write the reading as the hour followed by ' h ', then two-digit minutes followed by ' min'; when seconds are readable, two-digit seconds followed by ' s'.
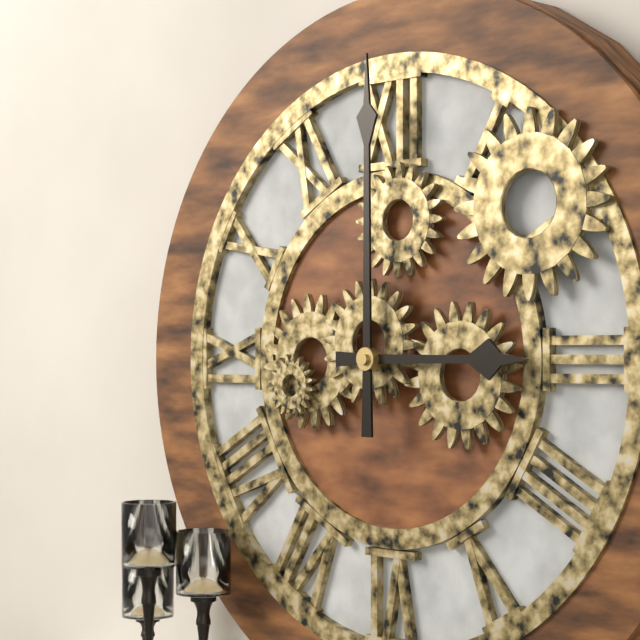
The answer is 3 h 00 min
